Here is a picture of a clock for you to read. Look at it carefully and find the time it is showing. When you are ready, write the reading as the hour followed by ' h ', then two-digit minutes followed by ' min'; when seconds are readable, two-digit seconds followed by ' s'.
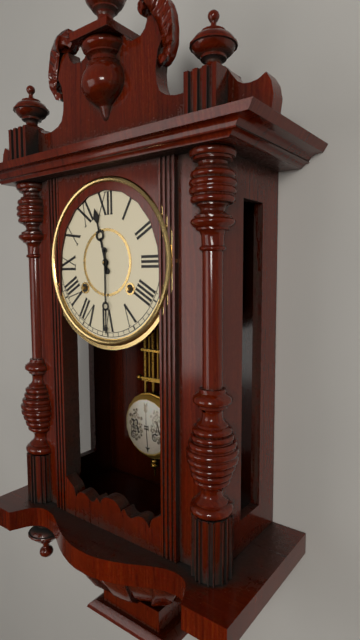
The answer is 11 h 30 min
